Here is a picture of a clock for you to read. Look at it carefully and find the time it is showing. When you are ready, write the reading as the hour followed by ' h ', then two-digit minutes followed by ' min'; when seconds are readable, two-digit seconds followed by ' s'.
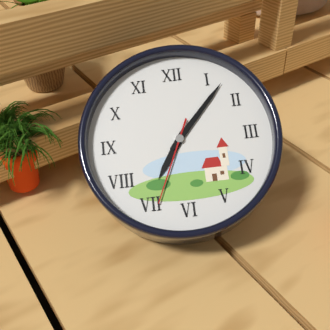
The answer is 7 h 07 min 34 s
